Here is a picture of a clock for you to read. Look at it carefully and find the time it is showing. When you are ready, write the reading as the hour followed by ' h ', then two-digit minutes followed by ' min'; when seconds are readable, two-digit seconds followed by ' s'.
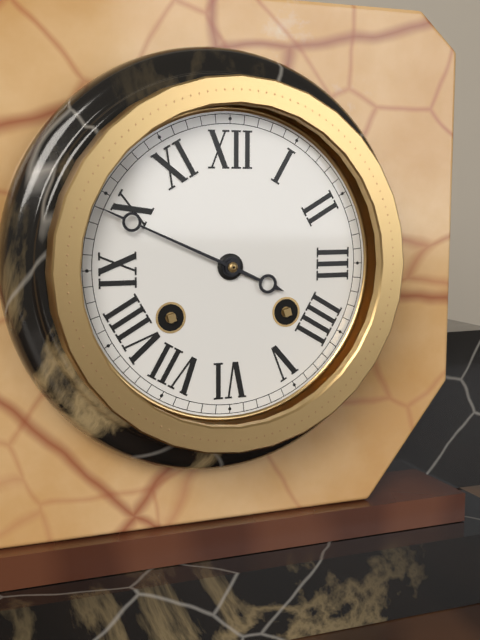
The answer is 3 h 49 min
